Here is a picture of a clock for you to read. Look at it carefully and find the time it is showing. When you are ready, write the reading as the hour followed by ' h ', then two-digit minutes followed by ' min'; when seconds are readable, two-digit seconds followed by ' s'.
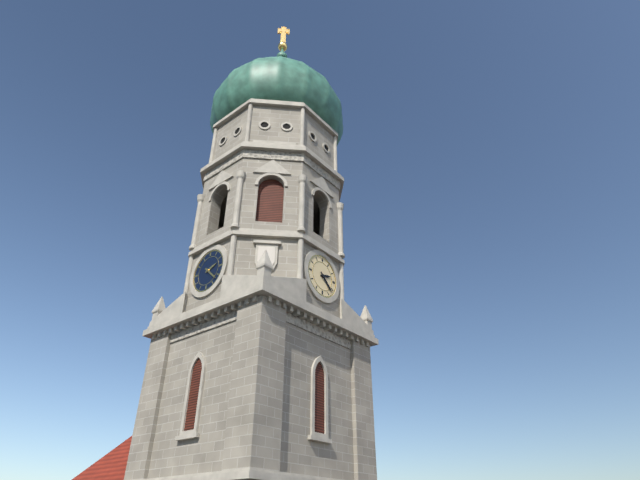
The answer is 2 h 22 min
